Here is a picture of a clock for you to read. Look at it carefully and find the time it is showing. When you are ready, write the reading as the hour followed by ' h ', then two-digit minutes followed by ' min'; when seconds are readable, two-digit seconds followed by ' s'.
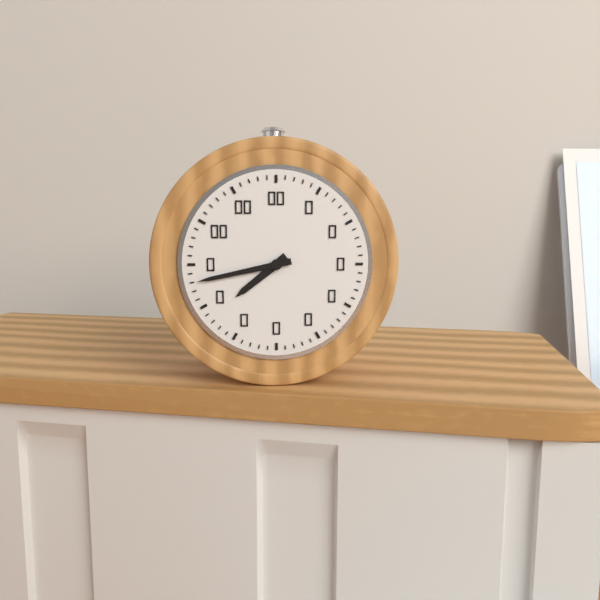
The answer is 7 h 43 min
